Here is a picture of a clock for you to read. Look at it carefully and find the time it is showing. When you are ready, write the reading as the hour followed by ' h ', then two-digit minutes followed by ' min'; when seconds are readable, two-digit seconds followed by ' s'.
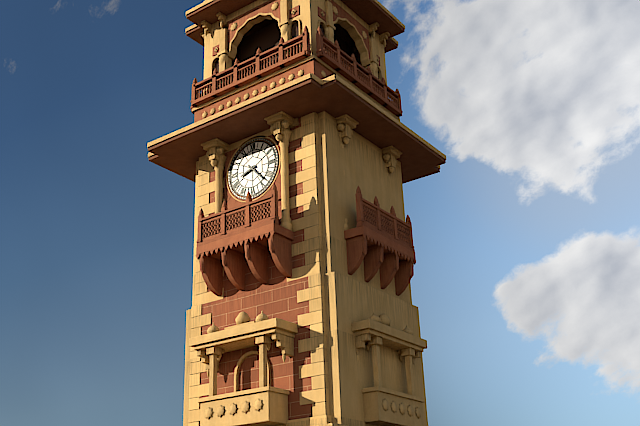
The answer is 8 h 23 min
